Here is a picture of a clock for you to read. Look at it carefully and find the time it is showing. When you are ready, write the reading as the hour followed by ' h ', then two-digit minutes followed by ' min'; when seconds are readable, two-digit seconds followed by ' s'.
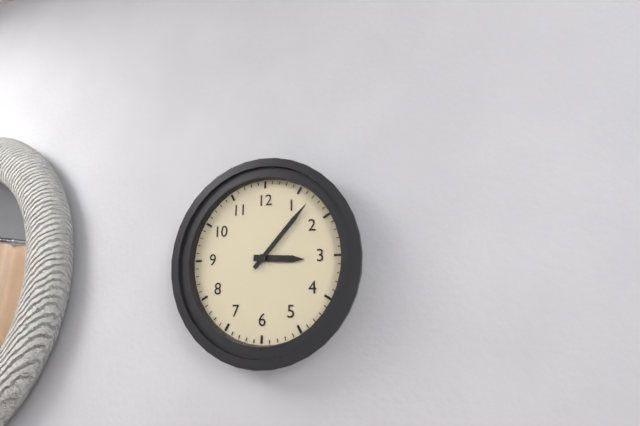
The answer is 3 h 07 min
